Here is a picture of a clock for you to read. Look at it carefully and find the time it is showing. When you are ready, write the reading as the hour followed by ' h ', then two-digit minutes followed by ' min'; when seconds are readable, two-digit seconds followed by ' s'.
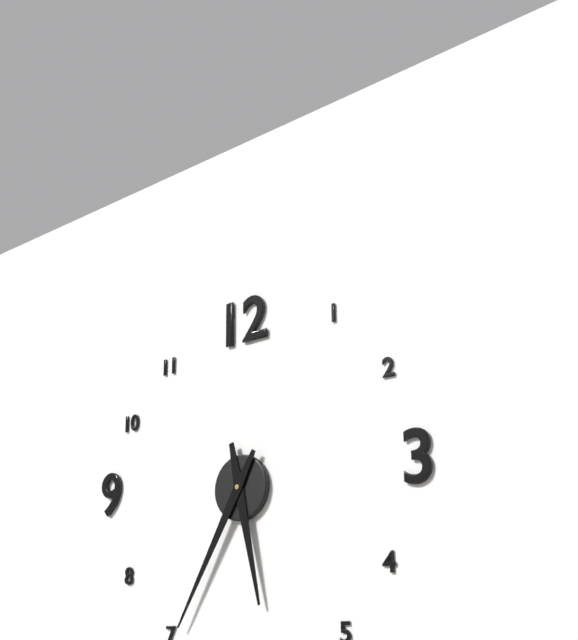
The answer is 5 h 35 min
